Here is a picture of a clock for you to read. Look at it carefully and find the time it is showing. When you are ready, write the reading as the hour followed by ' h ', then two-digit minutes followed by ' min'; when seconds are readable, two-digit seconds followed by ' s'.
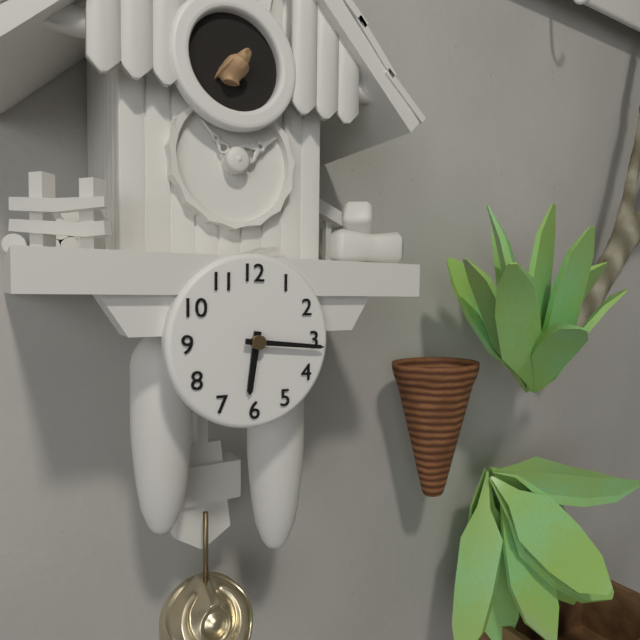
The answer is 6 h 16 min
